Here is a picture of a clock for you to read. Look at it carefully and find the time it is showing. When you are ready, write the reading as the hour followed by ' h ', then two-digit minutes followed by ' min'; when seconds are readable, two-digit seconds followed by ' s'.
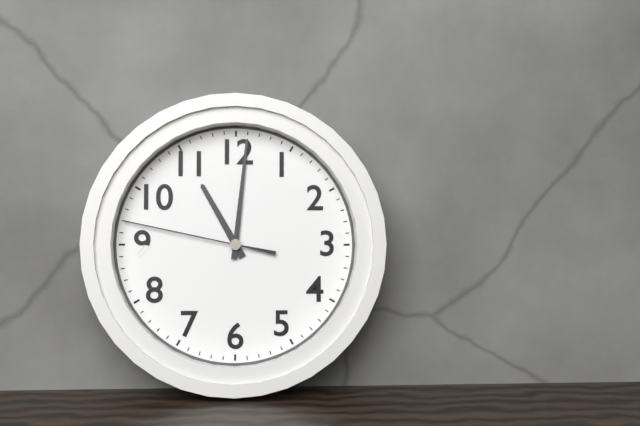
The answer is 11 h 01 min 47 s
